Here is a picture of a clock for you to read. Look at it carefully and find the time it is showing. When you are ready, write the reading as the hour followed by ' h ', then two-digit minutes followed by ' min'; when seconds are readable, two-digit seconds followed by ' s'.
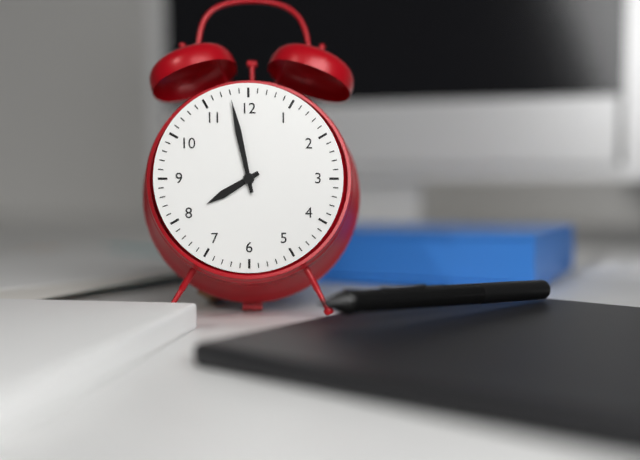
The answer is 7 h 58 min
